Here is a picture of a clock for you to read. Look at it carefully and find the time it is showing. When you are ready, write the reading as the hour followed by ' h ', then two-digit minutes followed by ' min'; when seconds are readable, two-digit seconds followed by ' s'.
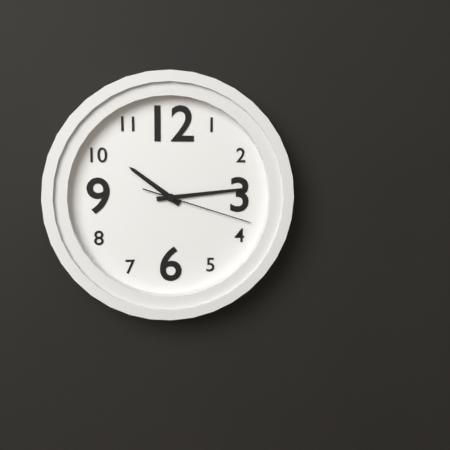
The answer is 10 h 14 min 18 s
